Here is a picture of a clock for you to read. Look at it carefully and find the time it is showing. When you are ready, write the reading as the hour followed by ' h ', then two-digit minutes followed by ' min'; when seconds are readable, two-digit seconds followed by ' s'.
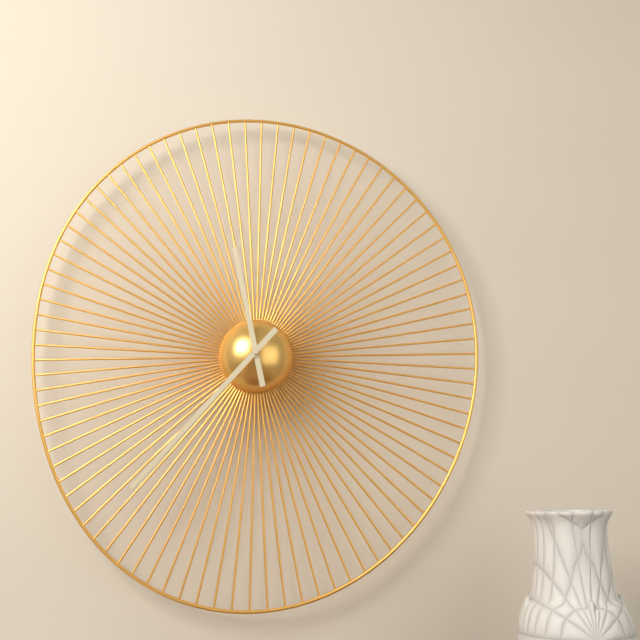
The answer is 11 h 37 min
